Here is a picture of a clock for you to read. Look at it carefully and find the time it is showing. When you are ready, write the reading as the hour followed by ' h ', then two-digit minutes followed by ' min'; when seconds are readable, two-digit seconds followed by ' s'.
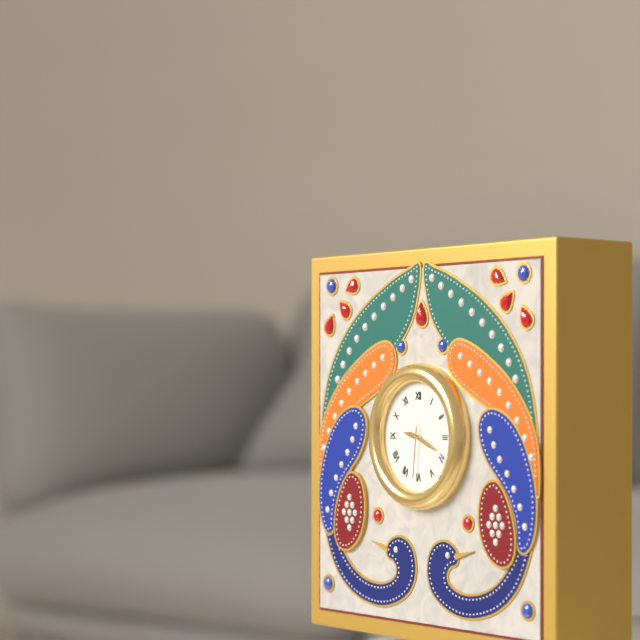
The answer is 9 h 19 min 31 s
